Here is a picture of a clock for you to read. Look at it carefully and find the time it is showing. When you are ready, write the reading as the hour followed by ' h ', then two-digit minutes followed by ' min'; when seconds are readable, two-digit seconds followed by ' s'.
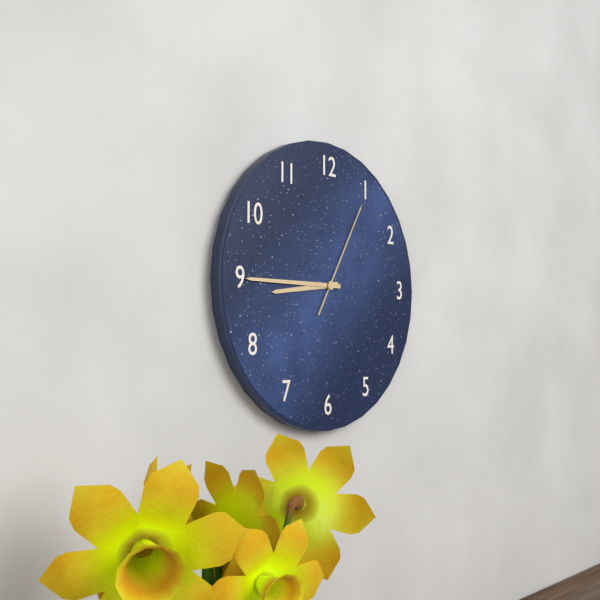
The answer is 8 h 45 min 05 s
